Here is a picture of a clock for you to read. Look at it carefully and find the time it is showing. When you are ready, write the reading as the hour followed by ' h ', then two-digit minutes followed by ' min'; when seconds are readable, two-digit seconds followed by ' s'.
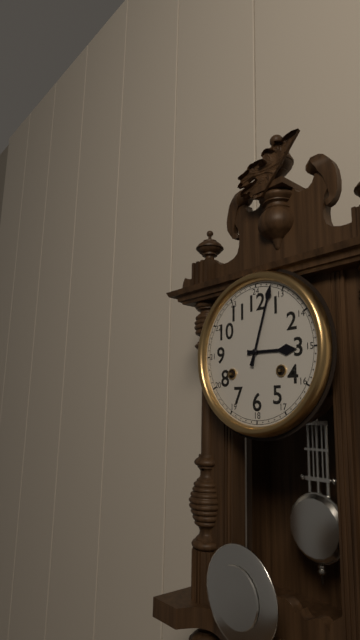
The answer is 3 h 03 min
